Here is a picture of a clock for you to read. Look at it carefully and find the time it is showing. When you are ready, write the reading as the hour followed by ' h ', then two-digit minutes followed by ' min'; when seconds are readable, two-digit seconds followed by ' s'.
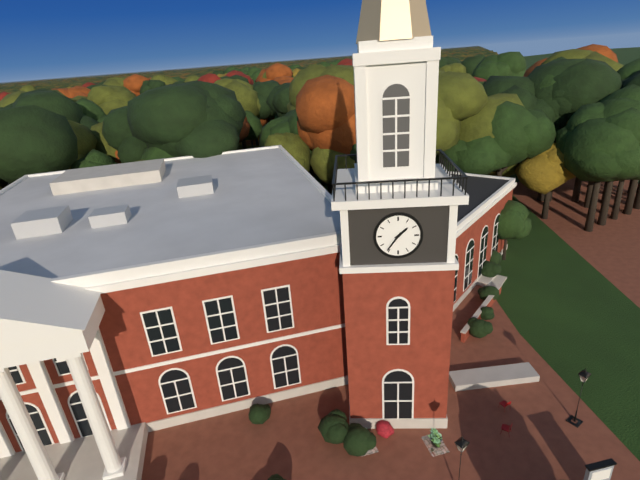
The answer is 1 h 36 min
